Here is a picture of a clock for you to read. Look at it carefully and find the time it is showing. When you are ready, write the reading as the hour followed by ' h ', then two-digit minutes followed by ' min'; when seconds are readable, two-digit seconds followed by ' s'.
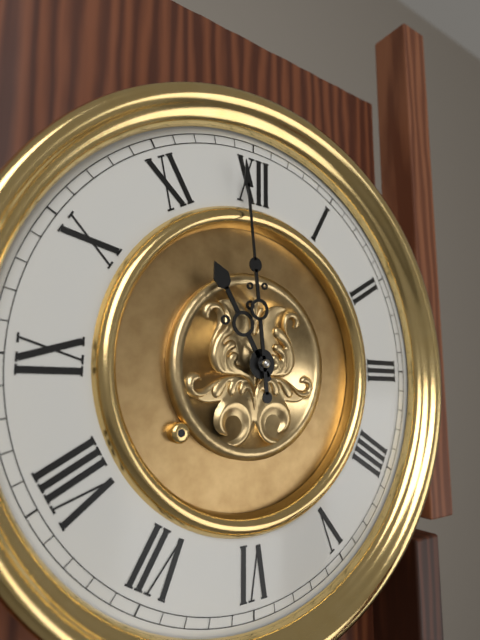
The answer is 10 h 59 min
